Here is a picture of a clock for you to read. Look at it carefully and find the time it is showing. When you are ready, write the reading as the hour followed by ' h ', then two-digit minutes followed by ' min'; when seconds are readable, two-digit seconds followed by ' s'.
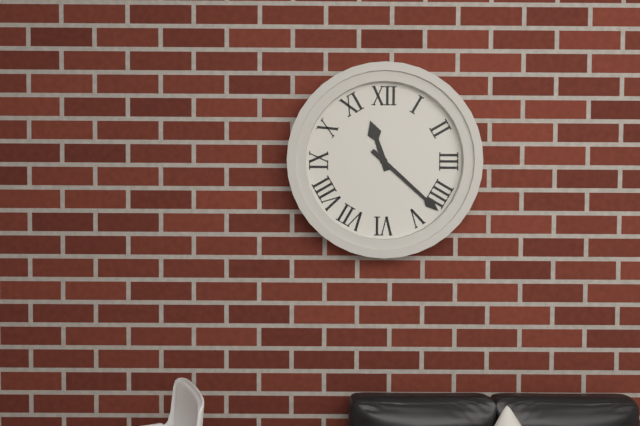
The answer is 11 h 22 min
